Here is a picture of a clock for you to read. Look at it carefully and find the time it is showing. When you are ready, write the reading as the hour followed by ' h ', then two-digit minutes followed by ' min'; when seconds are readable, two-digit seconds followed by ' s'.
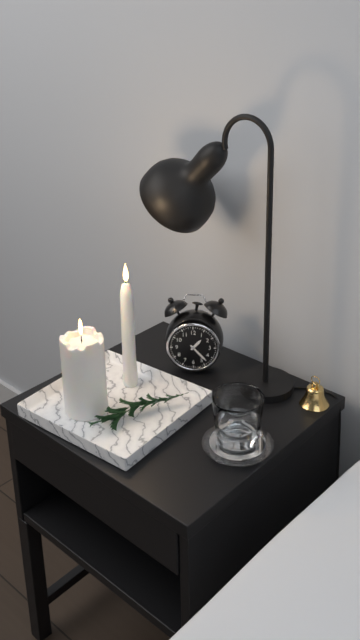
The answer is 1 h 23 min
